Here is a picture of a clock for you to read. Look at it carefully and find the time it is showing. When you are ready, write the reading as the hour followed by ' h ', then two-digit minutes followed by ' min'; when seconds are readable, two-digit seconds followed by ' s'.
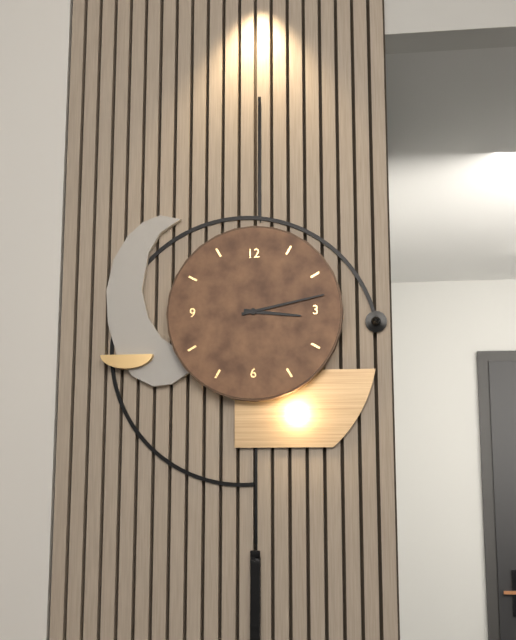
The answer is 3 h 13 min
